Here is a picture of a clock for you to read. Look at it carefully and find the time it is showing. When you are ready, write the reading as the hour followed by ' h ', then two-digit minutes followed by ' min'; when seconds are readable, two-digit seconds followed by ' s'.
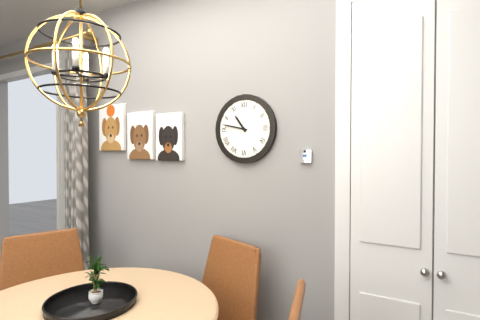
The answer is 10 h 47 min
